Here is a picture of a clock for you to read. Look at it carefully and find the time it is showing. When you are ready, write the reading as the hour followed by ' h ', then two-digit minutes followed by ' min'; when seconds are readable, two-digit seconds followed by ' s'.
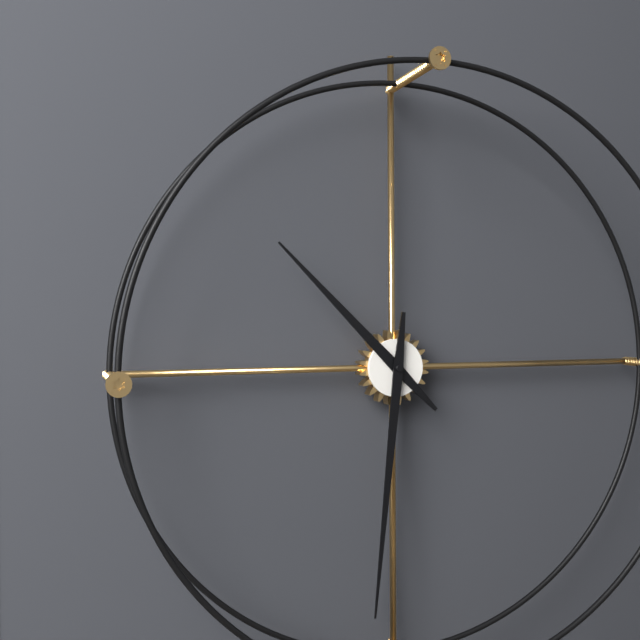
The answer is 10 h 31 min
